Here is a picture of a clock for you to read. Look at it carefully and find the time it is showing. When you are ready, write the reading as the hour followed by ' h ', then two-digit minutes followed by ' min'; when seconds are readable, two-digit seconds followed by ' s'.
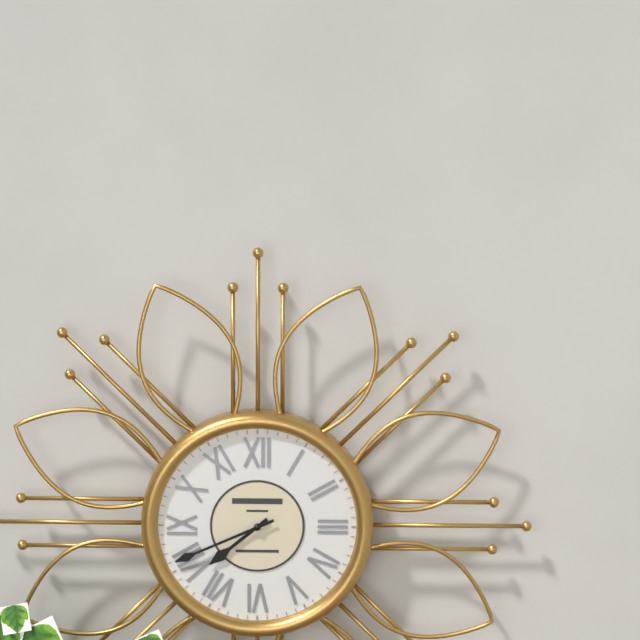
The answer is 7 h 41 min
